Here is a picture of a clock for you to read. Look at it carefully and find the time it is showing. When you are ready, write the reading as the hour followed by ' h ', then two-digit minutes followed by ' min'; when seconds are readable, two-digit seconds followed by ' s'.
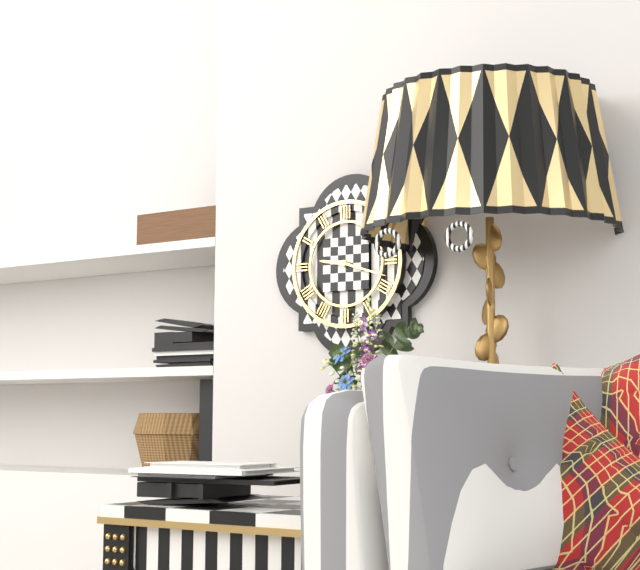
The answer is 9 h 18 min
